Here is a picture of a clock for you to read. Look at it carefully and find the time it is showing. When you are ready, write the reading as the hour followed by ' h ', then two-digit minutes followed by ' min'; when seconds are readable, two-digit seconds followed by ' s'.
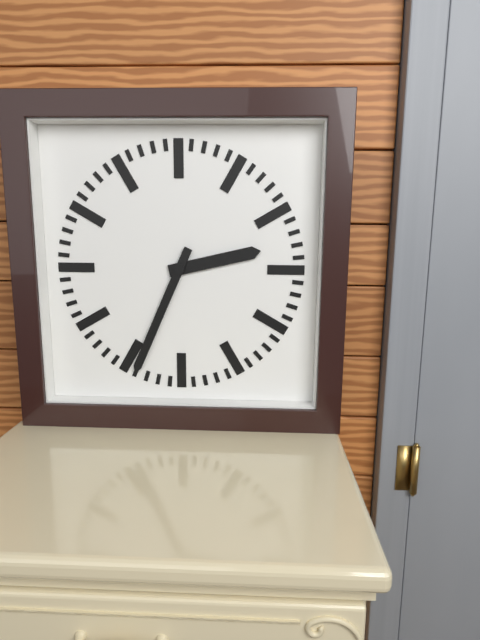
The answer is 2 h 34 min
